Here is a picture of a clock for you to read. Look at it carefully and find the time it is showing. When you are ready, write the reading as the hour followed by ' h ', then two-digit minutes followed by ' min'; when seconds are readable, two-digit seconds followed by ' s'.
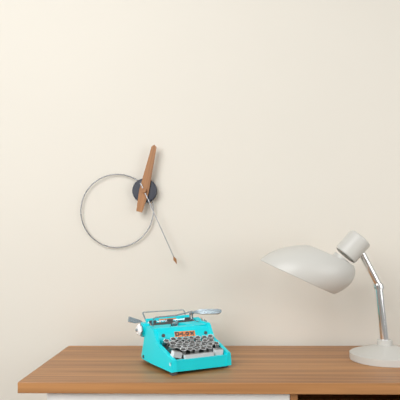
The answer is 12 h 26 min
